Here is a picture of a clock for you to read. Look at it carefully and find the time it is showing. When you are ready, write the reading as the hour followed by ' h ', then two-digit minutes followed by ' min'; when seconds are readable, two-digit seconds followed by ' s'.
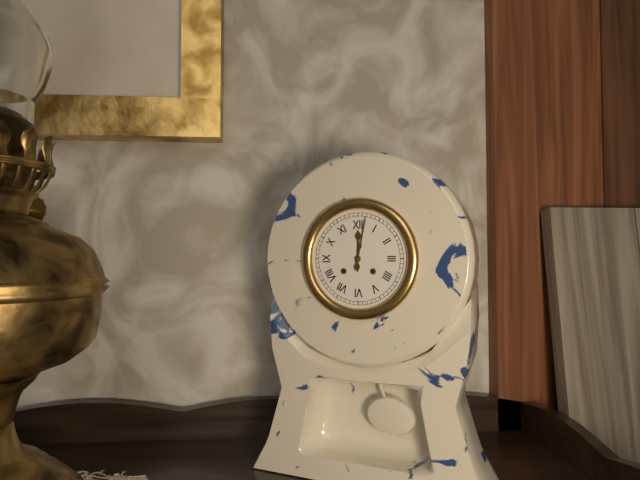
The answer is 12 h 02 min
